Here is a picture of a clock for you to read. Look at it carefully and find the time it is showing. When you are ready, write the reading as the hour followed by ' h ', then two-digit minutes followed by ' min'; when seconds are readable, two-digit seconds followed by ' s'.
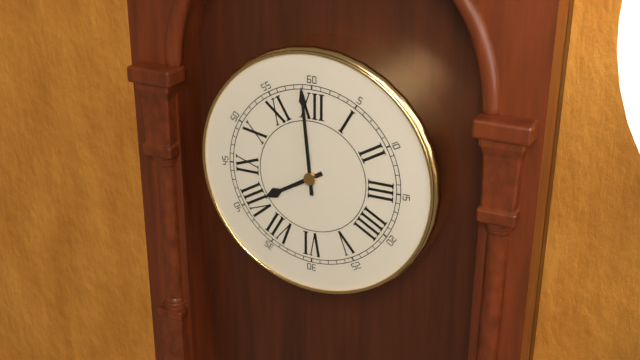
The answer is 7 h 59 min
